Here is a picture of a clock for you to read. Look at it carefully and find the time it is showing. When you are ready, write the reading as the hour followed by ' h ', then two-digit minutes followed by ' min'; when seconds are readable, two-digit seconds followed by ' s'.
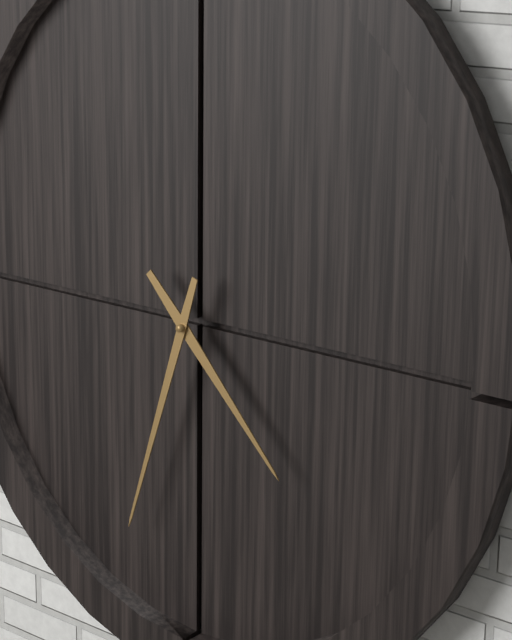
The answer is 4 h 33 min
